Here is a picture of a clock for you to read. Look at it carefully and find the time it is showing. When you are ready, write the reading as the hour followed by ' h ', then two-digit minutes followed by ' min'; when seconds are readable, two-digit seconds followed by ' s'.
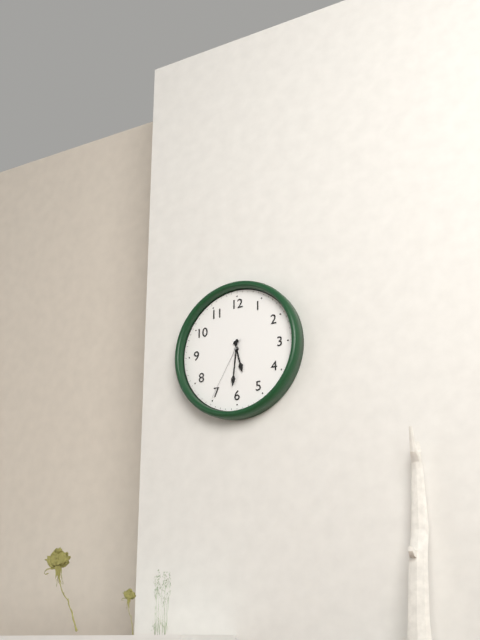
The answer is 5 h 31 min 35 s
